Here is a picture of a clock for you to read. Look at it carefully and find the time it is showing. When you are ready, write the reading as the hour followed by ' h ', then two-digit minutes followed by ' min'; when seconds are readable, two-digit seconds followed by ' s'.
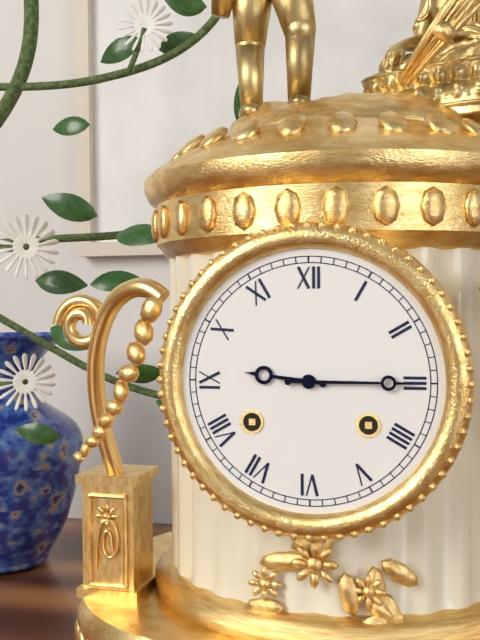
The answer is 9 h 15 min
